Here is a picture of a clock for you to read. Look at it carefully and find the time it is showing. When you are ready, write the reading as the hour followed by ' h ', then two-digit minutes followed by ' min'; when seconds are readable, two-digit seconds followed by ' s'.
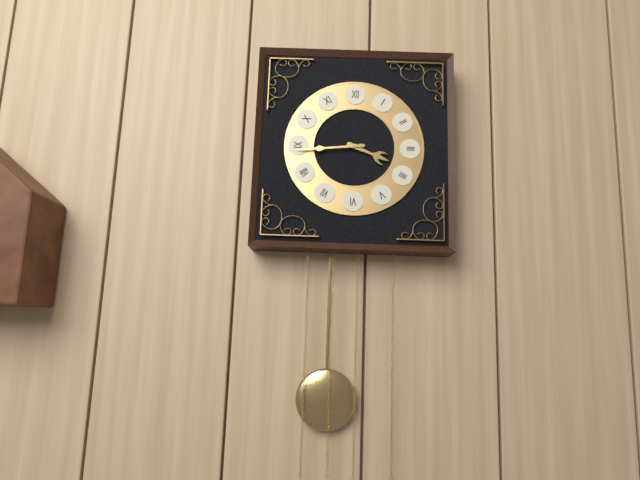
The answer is 3 h 44 min
